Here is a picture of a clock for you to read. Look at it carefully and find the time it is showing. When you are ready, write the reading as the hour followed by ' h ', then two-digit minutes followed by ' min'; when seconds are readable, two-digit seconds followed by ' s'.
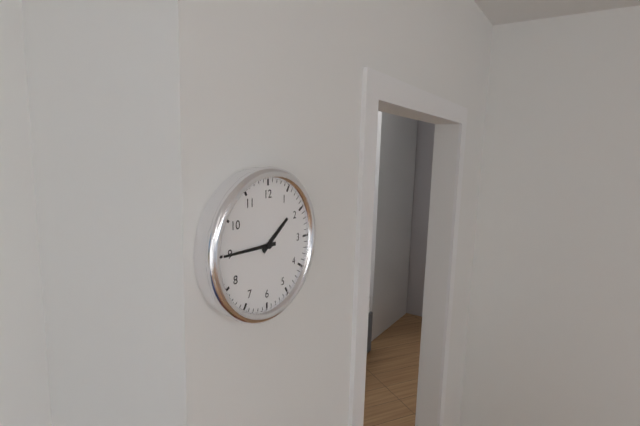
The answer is 1 h 45 min
